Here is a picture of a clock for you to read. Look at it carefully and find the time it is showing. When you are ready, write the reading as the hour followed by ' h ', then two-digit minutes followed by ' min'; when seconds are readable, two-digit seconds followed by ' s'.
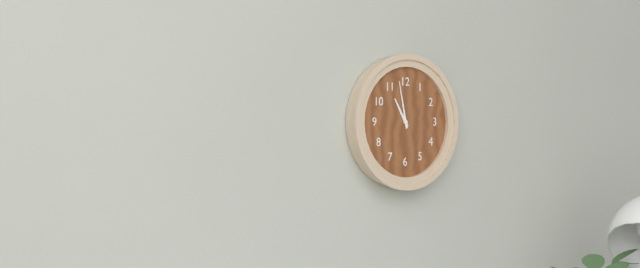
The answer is 10 h 58 min
